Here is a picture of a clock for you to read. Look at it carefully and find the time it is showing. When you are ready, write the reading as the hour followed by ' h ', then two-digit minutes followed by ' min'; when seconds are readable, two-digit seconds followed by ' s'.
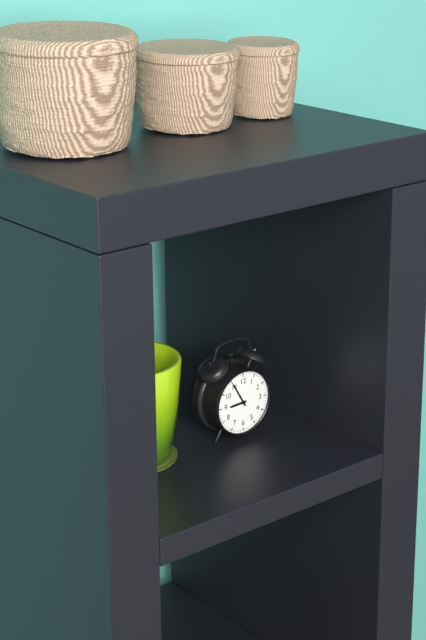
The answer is 8 h 55 min
